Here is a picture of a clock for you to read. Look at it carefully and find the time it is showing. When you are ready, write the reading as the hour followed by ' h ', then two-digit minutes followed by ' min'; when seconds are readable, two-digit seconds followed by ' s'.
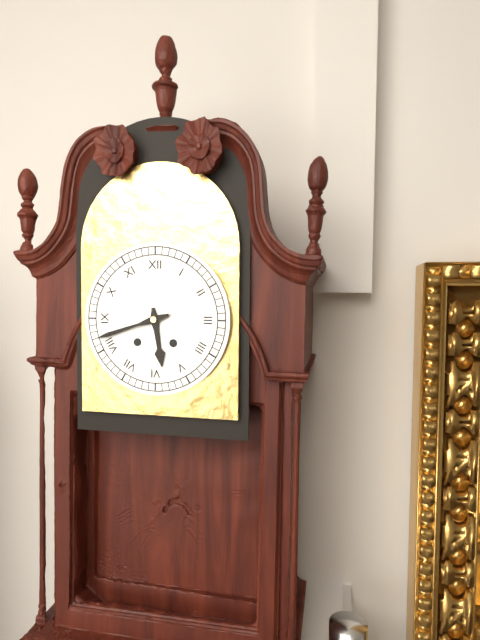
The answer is 5 h 42 min
